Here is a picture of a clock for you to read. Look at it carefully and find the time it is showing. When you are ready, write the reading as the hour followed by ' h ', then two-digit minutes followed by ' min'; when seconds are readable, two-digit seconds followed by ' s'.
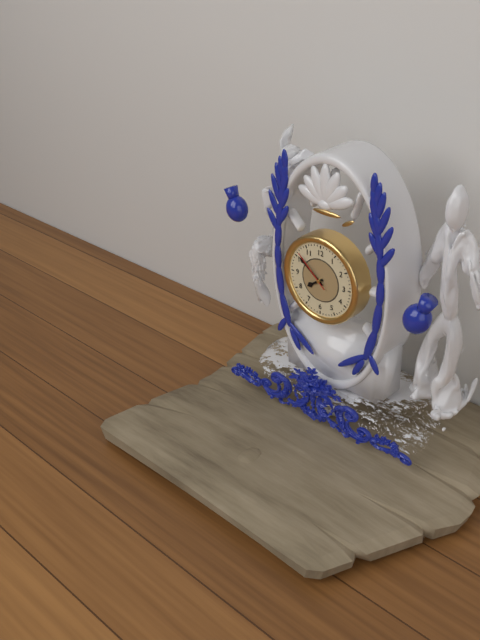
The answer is 7 h 51 min
